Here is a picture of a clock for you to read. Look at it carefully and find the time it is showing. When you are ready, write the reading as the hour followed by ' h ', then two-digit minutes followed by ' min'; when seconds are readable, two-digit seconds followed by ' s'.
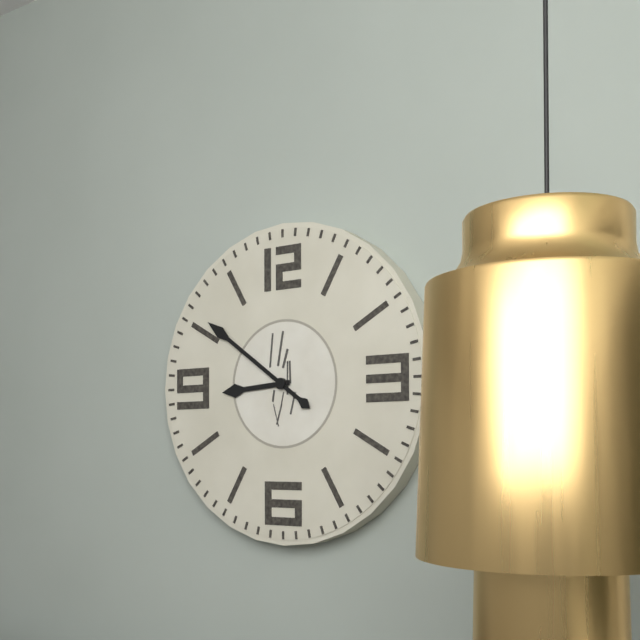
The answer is 8 h 51 min
